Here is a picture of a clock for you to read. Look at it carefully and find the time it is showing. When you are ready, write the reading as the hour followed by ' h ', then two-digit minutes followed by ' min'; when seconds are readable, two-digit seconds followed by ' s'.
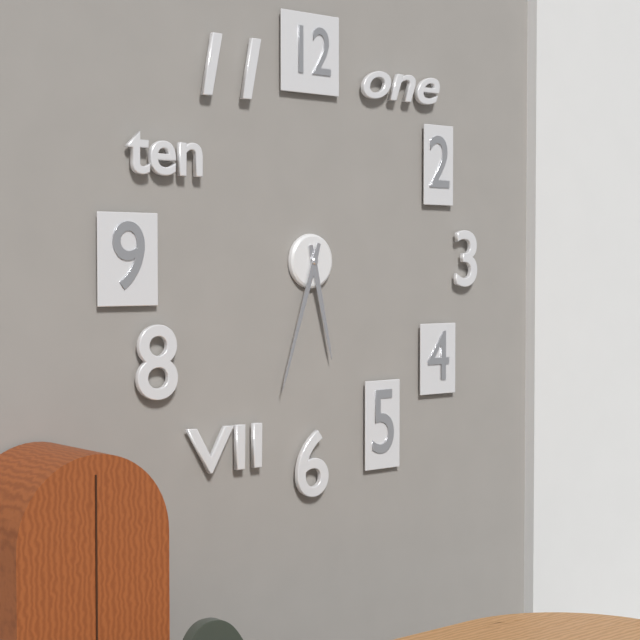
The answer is 5 h 33 min
